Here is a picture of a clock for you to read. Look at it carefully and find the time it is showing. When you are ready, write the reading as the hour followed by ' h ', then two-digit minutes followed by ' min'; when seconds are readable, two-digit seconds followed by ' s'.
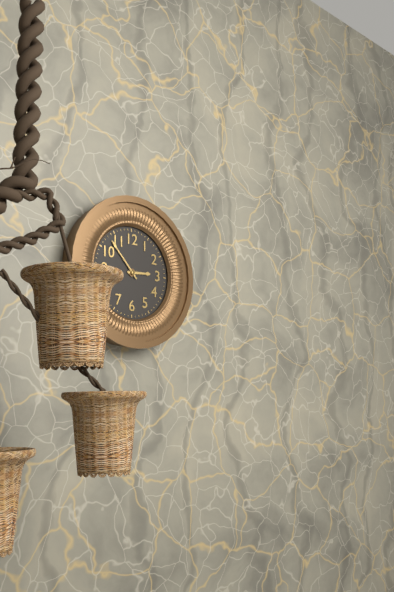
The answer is 2 h 53 min
